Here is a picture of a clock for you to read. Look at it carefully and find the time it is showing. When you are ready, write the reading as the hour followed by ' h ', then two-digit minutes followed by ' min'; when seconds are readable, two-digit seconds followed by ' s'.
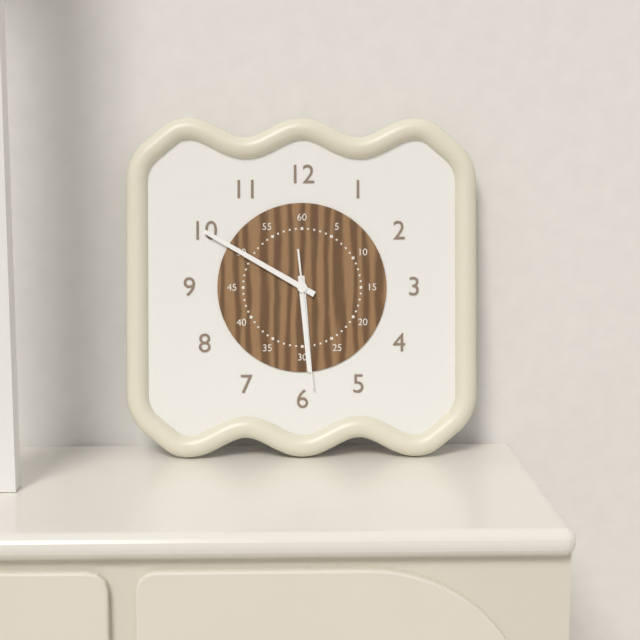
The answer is 5 h 50 min 29 s
